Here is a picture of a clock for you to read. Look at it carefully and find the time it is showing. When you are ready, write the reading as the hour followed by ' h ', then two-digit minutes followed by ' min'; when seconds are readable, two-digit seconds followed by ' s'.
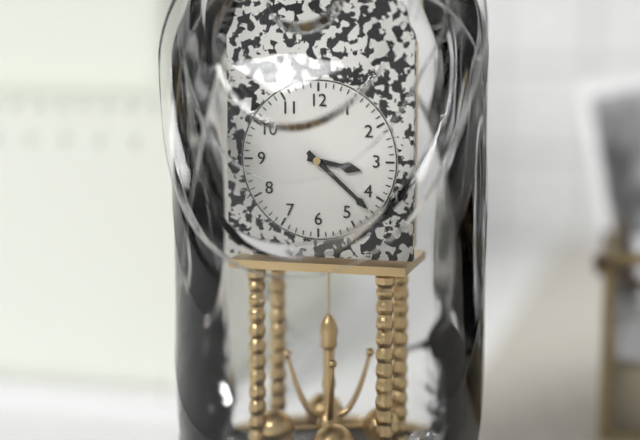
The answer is 3 h 22 min
